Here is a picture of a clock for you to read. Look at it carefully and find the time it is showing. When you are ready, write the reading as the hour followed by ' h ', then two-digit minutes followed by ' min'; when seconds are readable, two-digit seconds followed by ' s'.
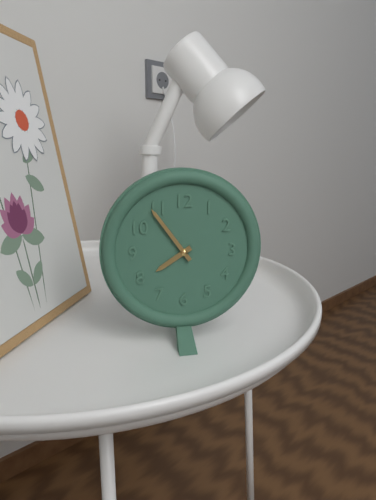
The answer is 7 h 54 min
